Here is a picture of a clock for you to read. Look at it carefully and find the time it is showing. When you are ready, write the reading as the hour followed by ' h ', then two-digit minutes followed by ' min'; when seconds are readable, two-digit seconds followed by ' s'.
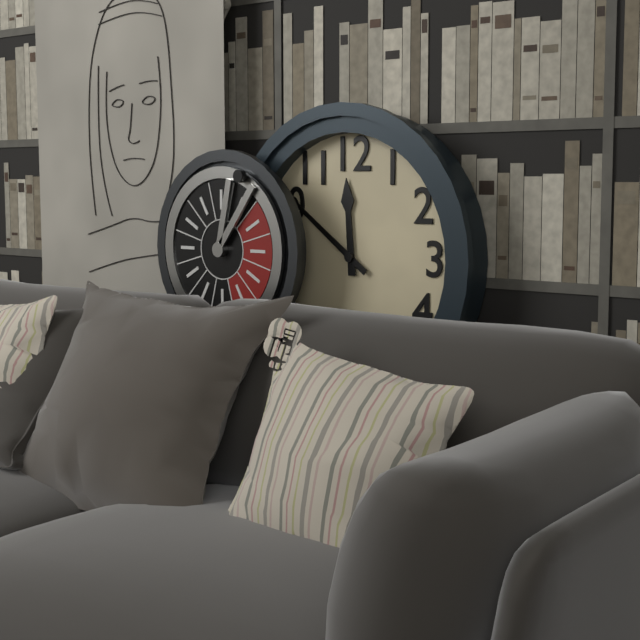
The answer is 11 h 51 min
